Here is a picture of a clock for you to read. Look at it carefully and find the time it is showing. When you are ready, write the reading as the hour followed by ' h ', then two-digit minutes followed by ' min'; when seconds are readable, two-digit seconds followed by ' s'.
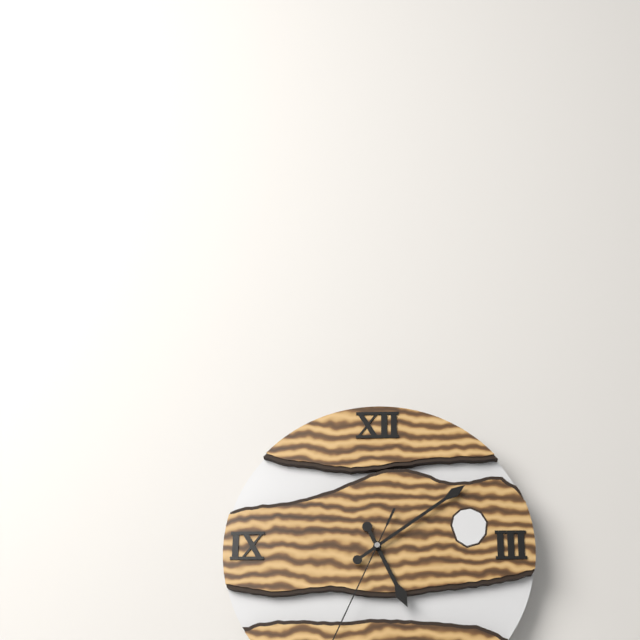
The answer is 5 h 09 min
